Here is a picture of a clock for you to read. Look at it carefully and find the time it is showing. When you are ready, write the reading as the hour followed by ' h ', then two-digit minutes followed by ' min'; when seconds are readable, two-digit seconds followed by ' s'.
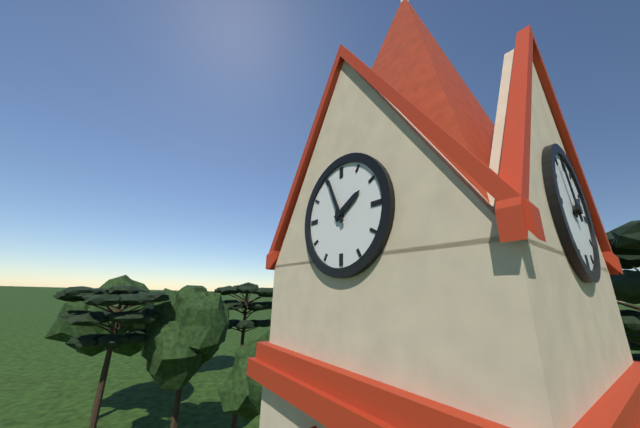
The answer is 1 h 56 min
